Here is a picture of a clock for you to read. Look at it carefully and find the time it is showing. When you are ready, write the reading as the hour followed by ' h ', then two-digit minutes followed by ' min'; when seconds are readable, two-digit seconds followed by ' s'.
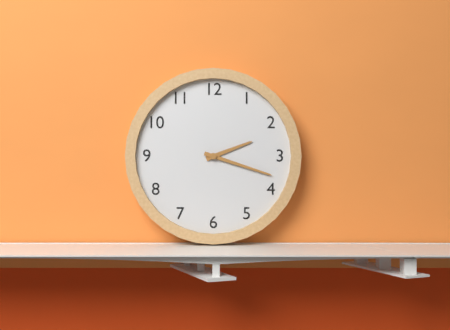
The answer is 2 h 18 min
